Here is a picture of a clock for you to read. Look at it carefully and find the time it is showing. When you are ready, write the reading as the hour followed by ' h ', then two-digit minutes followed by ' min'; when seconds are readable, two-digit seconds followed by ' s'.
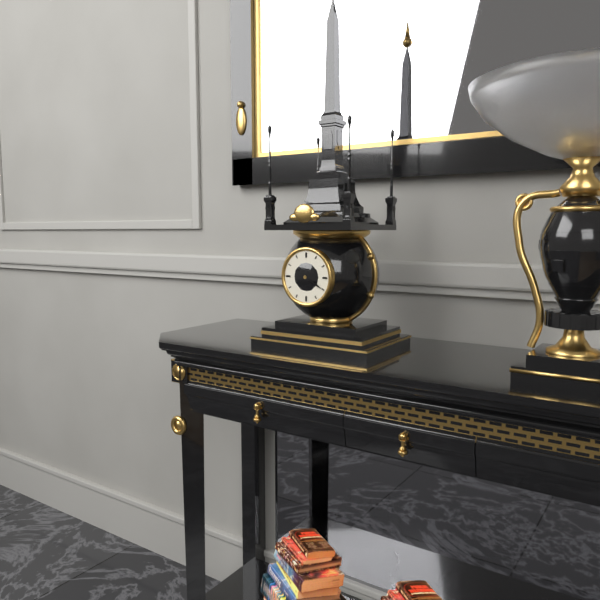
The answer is 10 h 20 min
